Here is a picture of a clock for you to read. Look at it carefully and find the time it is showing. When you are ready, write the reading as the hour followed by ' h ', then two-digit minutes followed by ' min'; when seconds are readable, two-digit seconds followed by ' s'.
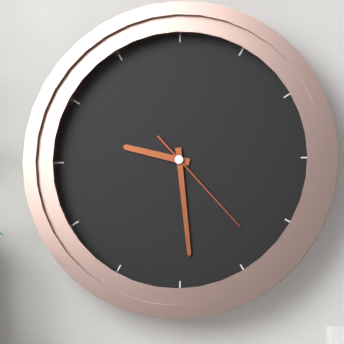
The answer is 9 h 29 min 23 s
